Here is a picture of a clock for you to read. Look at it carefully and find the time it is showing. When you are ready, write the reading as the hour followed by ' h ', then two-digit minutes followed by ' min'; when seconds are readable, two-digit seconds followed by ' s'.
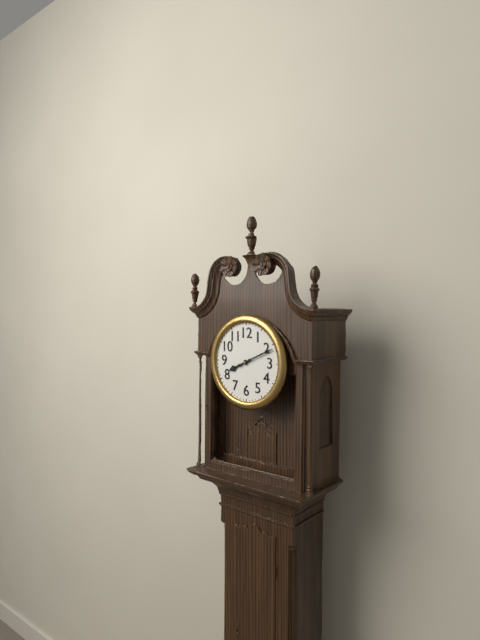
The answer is 8 h 11 min
